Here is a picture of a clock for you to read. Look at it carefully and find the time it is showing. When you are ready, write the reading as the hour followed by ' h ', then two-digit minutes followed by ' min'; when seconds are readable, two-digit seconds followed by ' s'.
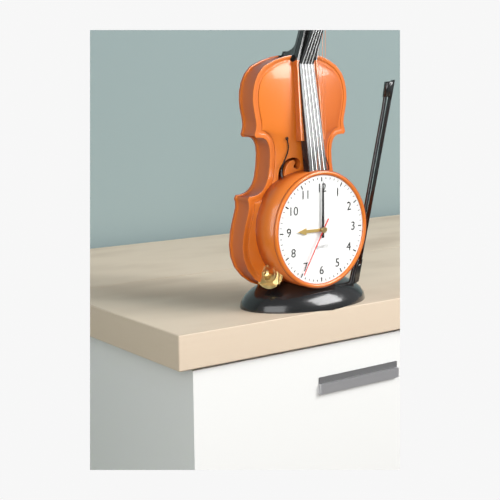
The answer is 9 h 00 min 35 s
